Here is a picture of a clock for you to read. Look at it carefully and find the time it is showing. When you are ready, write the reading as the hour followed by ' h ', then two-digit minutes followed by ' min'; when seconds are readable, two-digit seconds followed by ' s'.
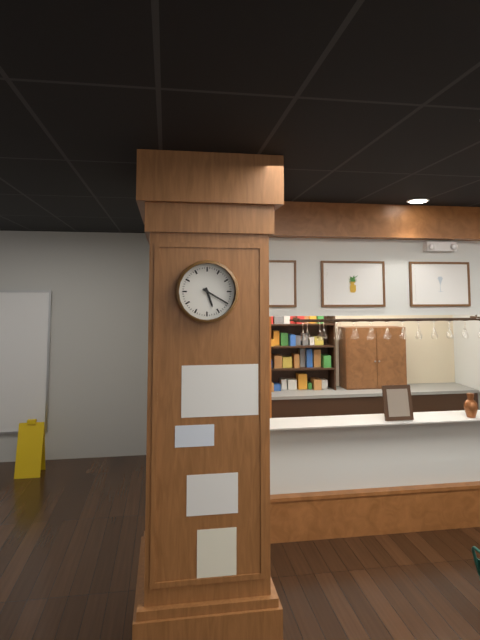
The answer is 5 h 20 min
